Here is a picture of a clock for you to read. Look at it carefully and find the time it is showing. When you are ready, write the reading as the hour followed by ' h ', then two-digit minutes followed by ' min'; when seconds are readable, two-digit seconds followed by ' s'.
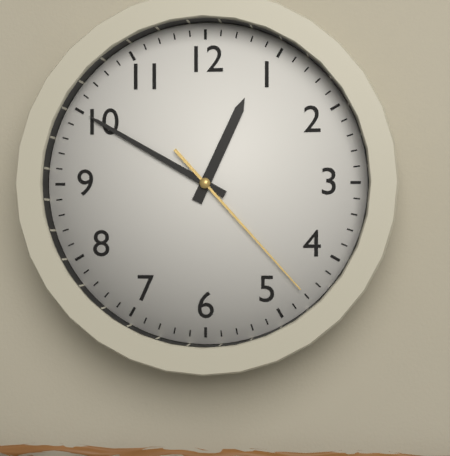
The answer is 12 h 50 min 23 s
